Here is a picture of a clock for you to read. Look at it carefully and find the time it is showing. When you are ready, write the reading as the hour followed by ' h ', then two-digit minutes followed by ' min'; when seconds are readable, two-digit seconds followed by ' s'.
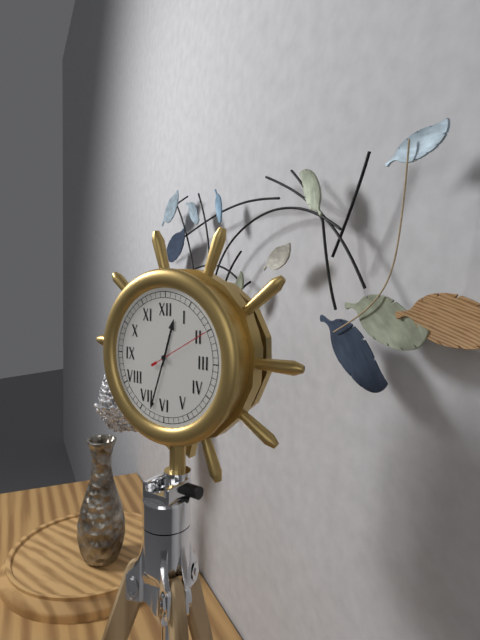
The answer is 12 h 33 min 10 s
